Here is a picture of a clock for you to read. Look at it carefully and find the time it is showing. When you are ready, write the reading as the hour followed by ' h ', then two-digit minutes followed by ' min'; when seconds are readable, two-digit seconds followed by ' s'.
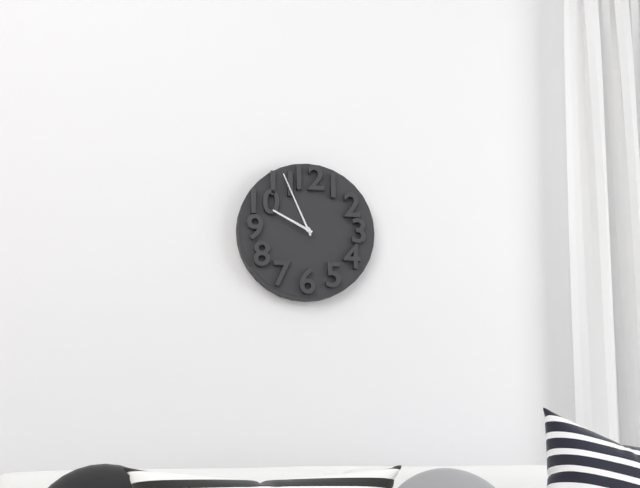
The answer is 9 h 56 min
